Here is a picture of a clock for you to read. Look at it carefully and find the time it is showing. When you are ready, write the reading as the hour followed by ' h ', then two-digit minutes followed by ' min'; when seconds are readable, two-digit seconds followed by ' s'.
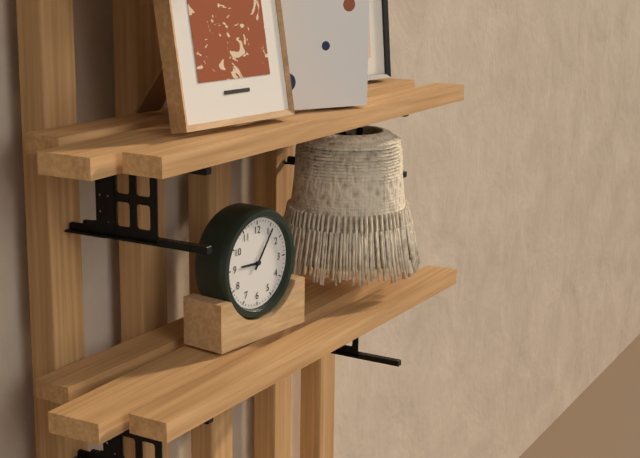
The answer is 9 h 06 min
